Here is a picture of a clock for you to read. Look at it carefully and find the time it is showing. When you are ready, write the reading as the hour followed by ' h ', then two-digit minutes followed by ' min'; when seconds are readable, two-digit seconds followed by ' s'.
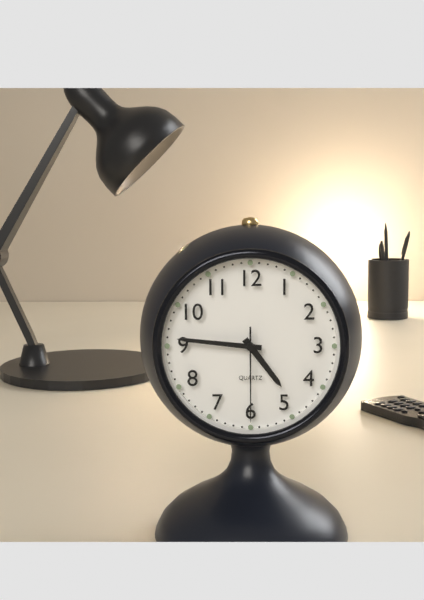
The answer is 4 h 46 min 30 s
